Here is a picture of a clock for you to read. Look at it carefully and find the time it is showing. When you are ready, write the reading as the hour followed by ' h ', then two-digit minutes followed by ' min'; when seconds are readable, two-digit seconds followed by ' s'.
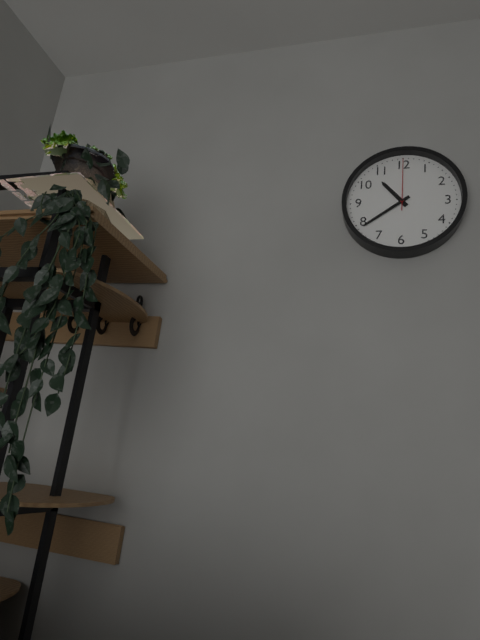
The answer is 10 h 39 min 00 s
